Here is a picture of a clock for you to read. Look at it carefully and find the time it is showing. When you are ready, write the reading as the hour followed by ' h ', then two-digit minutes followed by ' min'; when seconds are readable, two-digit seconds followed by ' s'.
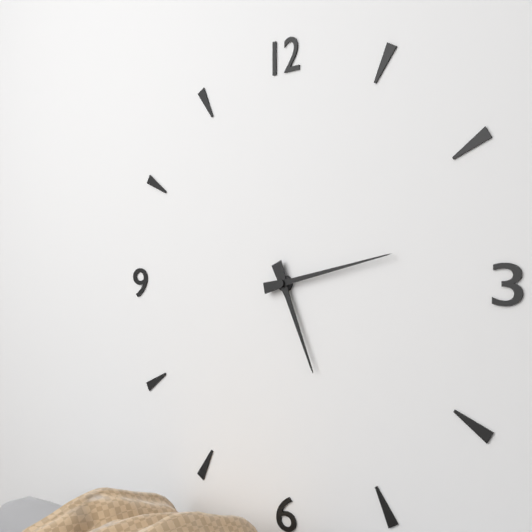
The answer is 5 h 13 min
